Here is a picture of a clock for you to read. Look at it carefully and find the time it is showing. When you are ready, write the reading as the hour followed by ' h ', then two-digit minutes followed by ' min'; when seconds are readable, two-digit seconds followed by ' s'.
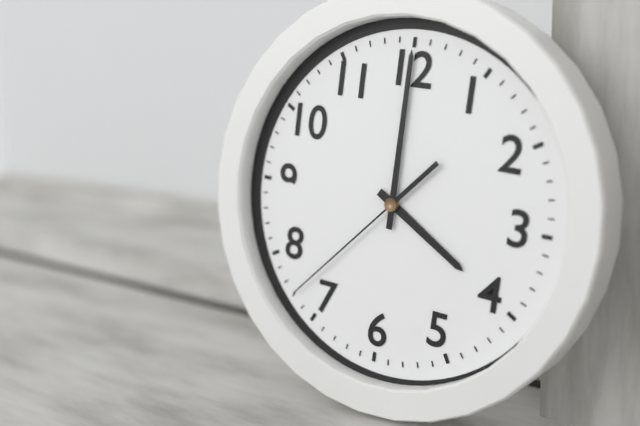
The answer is 4 h 00 min 37 s
